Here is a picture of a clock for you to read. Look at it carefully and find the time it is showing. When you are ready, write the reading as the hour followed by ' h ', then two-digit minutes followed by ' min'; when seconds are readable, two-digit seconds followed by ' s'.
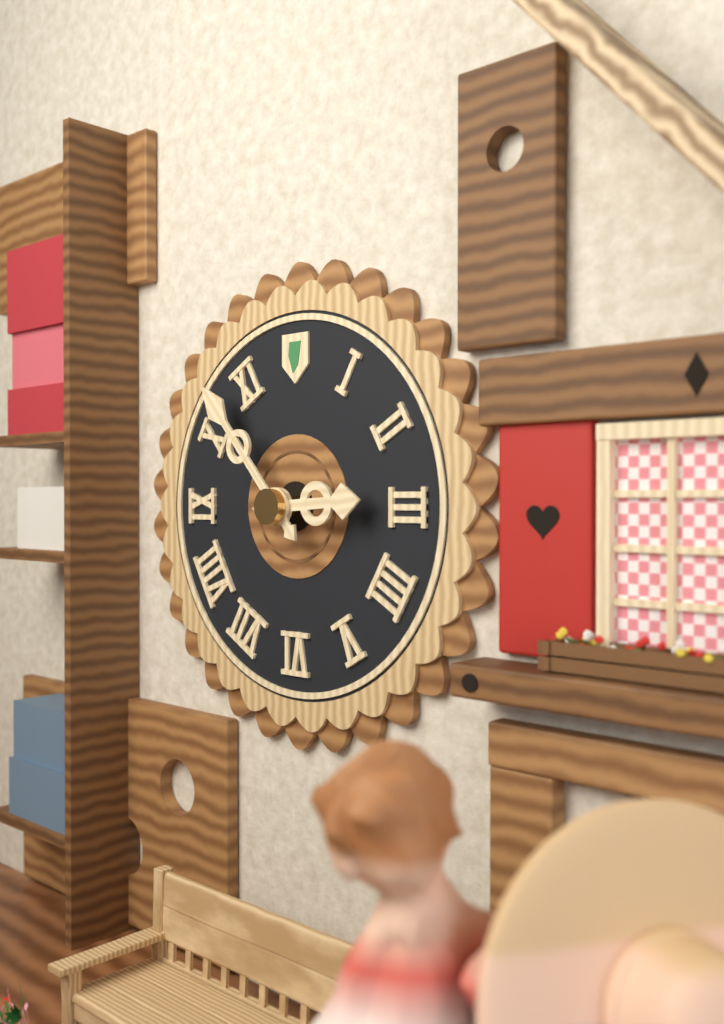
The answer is 2 h 53 min
